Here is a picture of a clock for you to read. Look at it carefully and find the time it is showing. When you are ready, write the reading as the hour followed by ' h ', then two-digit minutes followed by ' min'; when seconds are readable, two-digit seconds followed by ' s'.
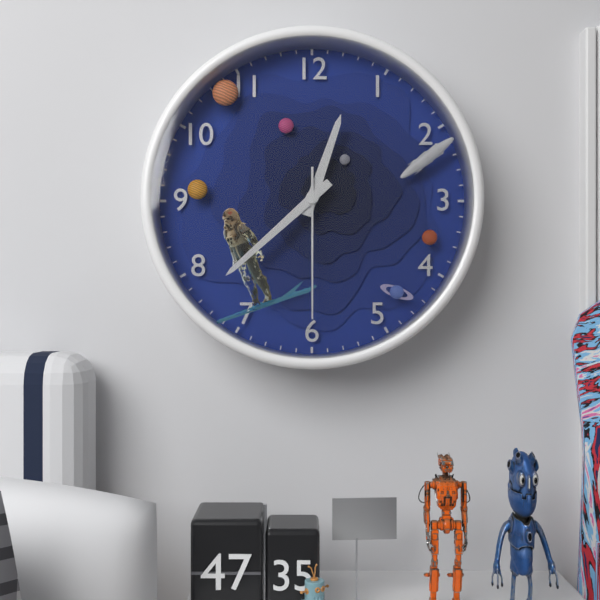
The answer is 12 h 38 min 30 s
